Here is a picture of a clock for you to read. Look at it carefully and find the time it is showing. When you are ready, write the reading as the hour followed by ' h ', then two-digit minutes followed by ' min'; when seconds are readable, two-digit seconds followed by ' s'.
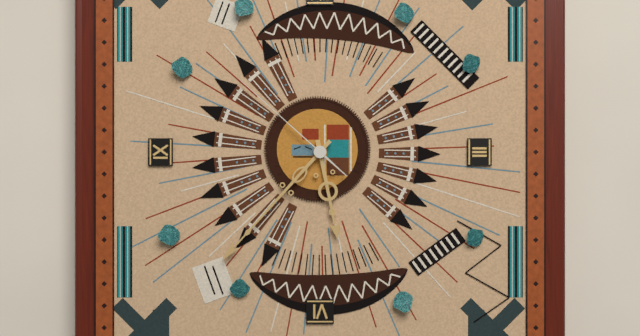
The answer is 5 h 37 min 52 s
